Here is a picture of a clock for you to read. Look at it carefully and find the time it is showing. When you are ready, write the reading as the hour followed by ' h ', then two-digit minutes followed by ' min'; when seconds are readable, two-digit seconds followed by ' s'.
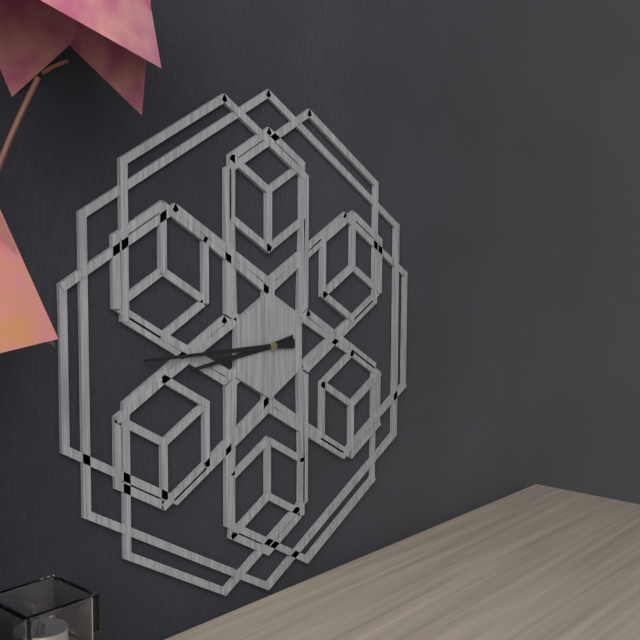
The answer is 8 h 45 min
